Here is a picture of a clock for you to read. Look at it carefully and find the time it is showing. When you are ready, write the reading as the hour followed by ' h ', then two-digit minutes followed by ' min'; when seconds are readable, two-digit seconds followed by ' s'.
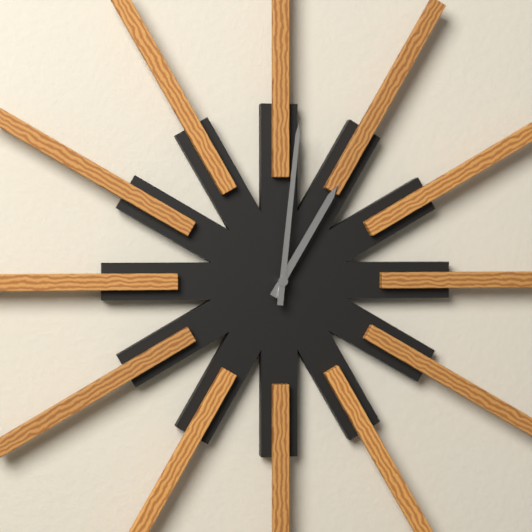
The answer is 1 h 01 min
